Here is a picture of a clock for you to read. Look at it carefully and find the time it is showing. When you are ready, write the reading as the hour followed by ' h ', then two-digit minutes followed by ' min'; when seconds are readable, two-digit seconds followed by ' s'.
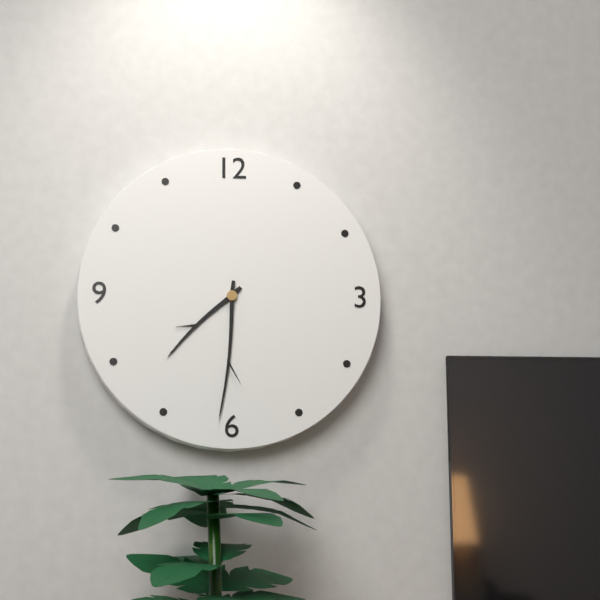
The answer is 7 h 31 min
